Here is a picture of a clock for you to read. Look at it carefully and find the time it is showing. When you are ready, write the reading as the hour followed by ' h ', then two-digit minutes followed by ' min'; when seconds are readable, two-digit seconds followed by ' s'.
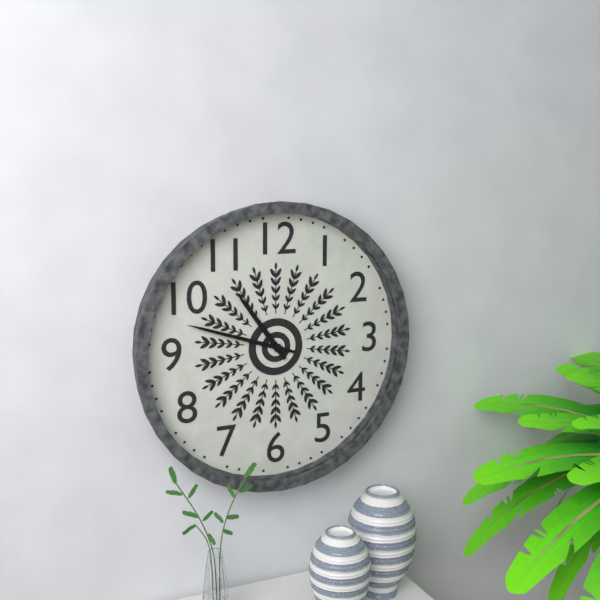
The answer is 10 h 48 min
